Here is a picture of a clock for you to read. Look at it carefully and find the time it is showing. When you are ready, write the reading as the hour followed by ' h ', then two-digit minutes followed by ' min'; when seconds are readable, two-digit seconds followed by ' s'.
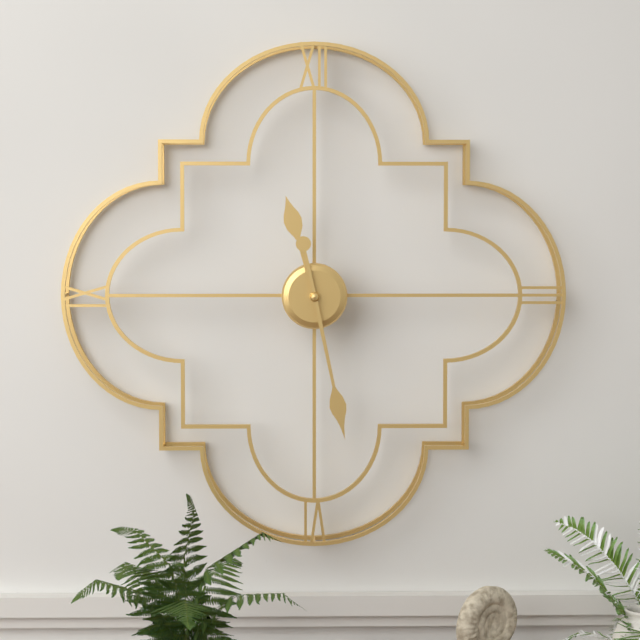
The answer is 11 h 28 min
